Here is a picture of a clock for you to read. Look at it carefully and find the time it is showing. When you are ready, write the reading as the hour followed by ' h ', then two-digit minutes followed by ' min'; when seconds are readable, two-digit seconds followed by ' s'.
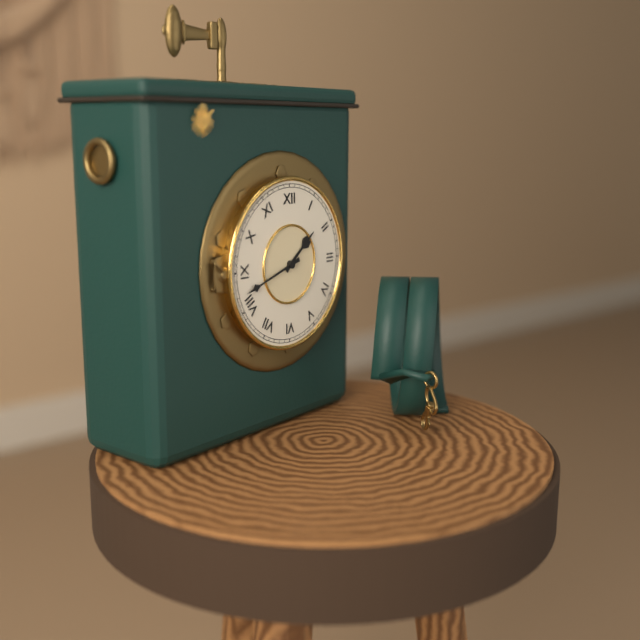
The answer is 1 h 42 min
